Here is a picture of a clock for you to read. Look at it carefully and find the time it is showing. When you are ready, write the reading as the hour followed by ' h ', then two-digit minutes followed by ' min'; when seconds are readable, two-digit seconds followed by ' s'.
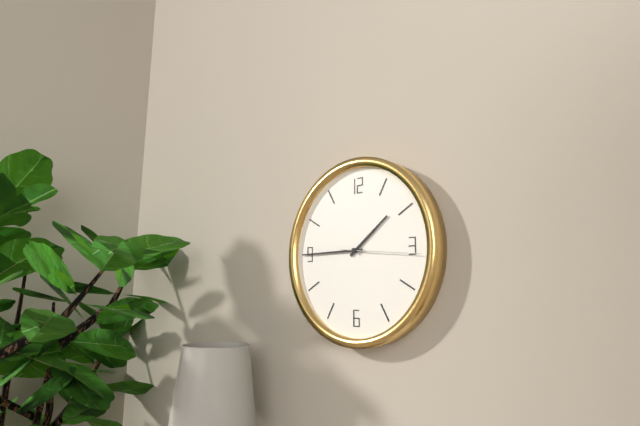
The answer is 1 h 45 min 16 s
